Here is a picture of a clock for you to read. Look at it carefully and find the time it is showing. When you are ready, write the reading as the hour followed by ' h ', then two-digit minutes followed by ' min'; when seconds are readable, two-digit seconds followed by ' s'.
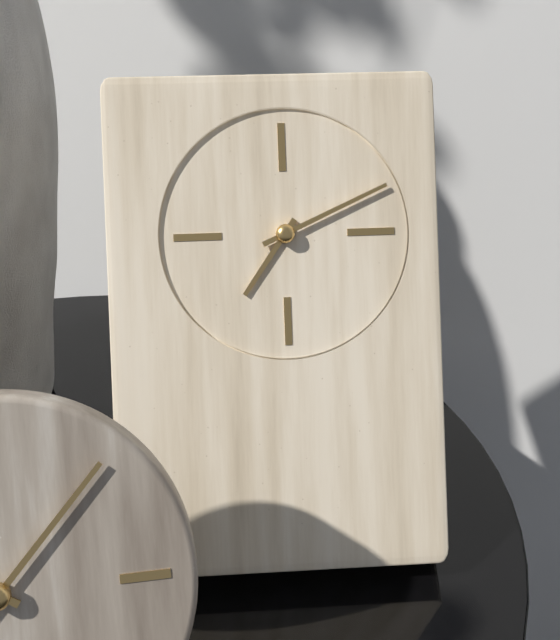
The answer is 7 h 11 min
